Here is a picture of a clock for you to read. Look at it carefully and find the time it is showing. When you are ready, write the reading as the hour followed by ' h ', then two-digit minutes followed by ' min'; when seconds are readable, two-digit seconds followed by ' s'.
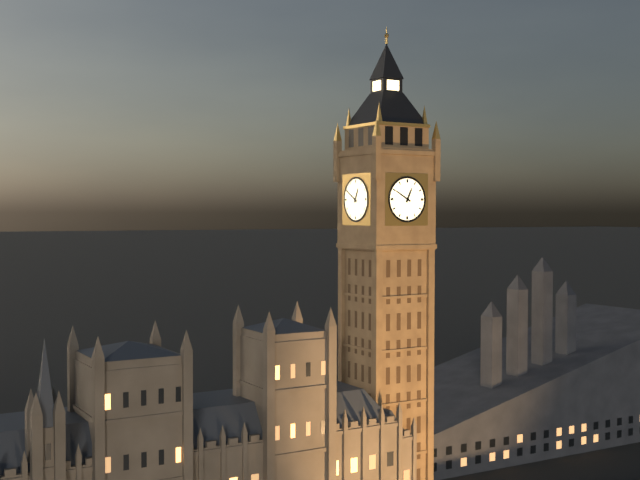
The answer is 12 h 50 min
